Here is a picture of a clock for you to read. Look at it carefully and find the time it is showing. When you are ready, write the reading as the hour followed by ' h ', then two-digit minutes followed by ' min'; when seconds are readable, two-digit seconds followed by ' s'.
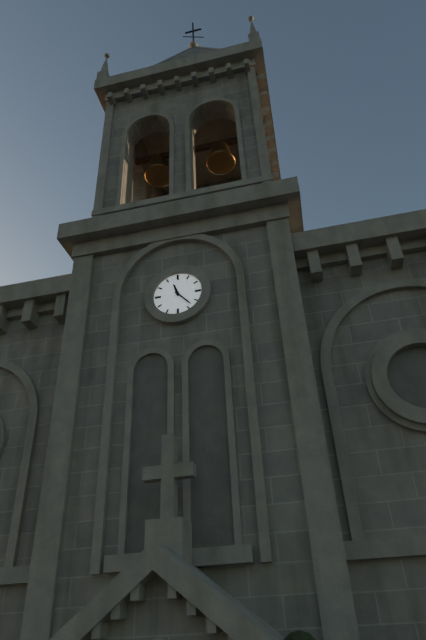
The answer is 11 h 23 min
